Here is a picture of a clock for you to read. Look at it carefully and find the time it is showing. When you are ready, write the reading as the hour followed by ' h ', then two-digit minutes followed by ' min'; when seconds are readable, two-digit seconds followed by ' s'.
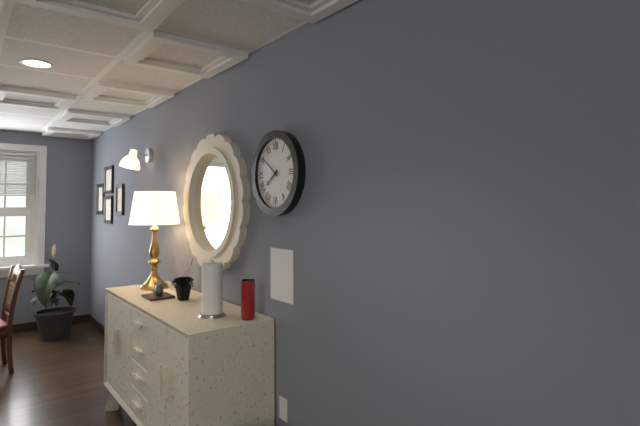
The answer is 7 h 51 min
